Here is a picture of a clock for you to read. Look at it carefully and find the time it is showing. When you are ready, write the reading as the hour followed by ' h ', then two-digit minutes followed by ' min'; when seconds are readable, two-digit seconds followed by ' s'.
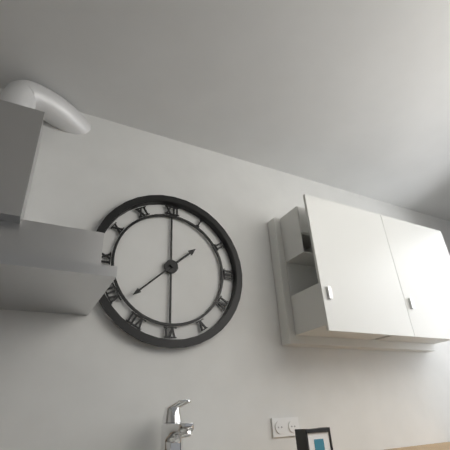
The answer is 1 h 38 min
